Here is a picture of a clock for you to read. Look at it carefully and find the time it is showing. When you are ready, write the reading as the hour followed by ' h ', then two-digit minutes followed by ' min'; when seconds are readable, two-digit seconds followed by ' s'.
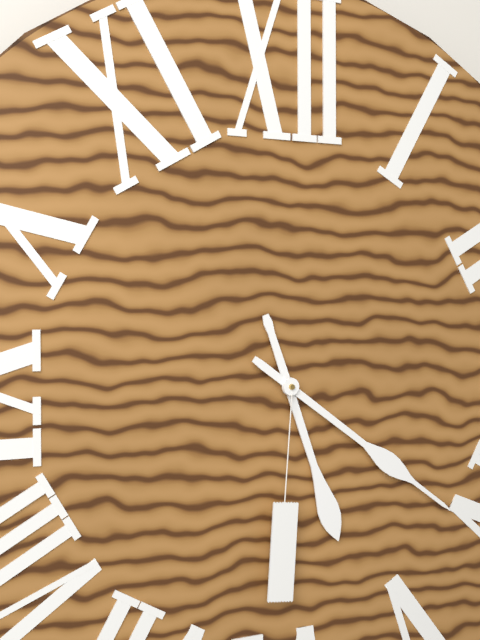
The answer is 5 h 21 min
